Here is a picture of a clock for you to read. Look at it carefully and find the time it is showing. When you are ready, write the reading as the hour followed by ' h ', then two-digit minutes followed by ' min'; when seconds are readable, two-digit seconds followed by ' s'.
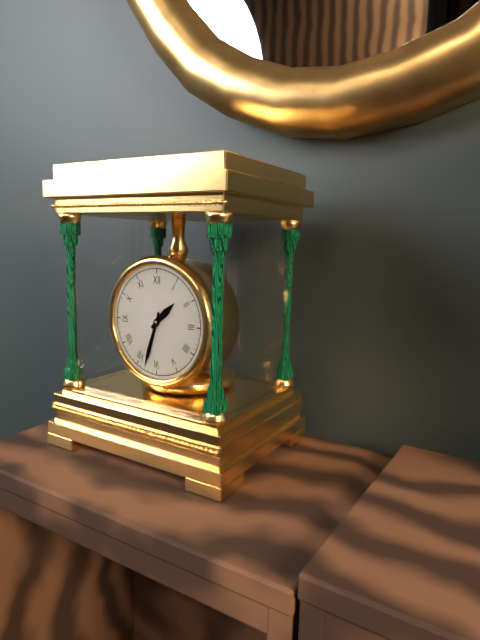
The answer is 1 h 33 min
